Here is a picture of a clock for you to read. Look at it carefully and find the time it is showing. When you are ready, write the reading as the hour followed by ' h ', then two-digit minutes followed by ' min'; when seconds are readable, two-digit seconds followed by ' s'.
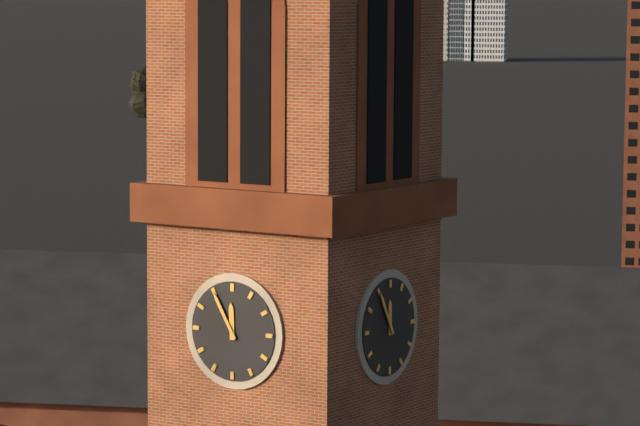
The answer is 11 h 55 min
